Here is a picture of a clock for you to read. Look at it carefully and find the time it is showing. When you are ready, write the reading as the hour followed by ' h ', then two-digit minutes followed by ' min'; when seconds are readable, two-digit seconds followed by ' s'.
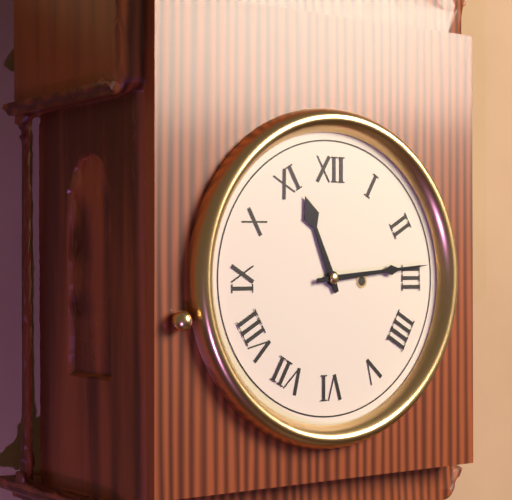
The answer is 11 h 14 min
